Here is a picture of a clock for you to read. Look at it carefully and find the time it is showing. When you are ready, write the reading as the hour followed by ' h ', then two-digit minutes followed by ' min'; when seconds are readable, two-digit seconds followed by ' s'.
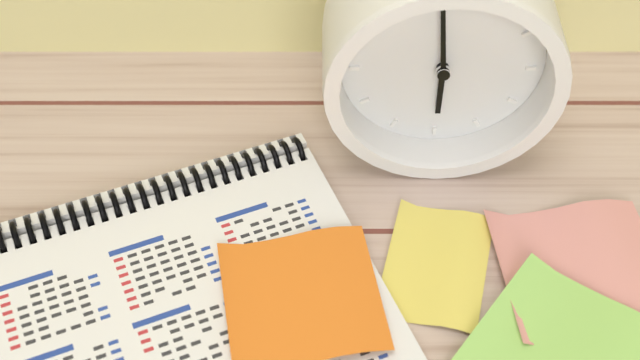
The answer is 5 h 59 min
